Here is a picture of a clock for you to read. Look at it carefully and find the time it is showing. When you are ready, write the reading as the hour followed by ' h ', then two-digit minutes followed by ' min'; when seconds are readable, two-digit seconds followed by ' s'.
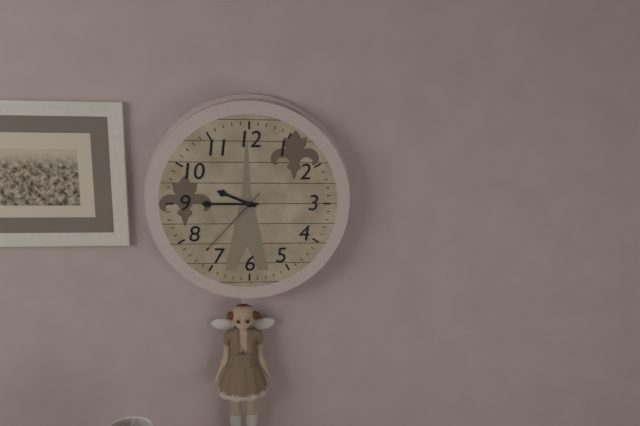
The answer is 9 h 45 min 37 s
